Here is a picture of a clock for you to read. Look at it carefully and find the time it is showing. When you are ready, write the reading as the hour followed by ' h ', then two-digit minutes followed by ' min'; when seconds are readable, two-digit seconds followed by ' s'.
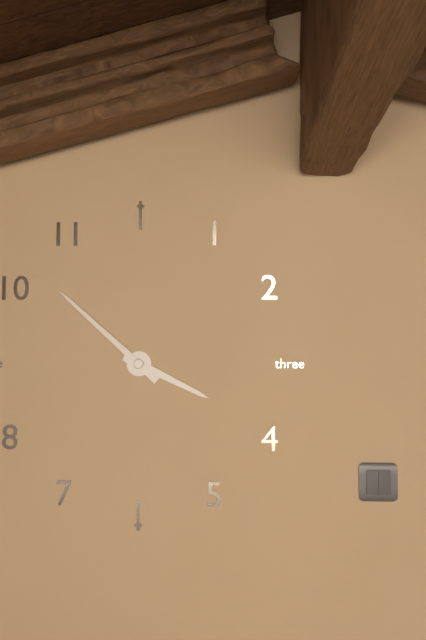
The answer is 3 h 52 min
